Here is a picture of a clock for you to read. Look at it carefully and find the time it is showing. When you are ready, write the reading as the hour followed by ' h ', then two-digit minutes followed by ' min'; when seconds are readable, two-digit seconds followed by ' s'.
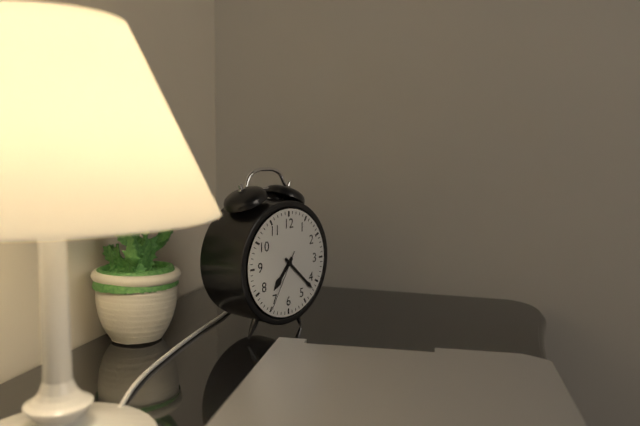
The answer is 7 h 22 min 35 s
